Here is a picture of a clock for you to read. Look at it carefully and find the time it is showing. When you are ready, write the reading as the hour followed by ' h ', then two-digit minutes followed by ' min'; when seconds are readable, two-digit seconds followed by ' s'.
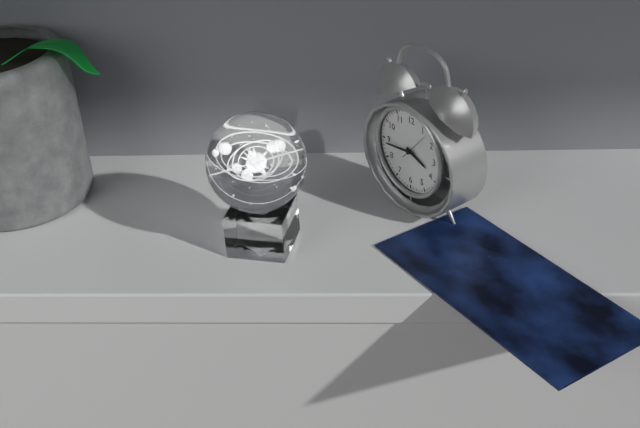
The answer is 3 h 44 min
